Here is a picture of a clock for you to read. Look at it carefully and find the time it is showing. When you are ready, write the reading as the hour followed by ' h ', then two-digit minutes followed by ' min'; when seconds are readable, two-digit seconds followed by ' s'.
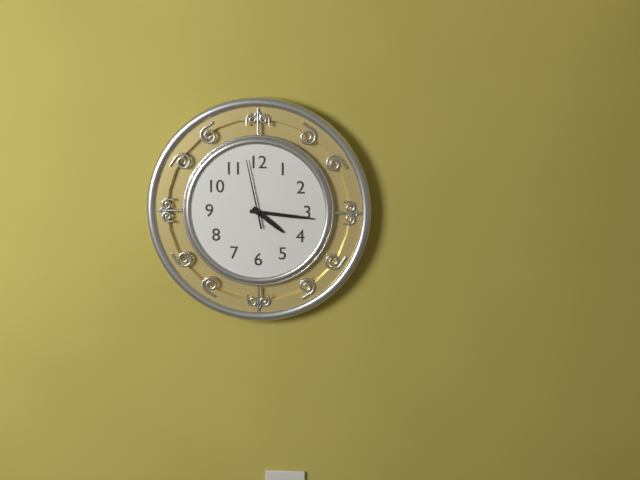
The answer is 4 h 16 min 58 s
